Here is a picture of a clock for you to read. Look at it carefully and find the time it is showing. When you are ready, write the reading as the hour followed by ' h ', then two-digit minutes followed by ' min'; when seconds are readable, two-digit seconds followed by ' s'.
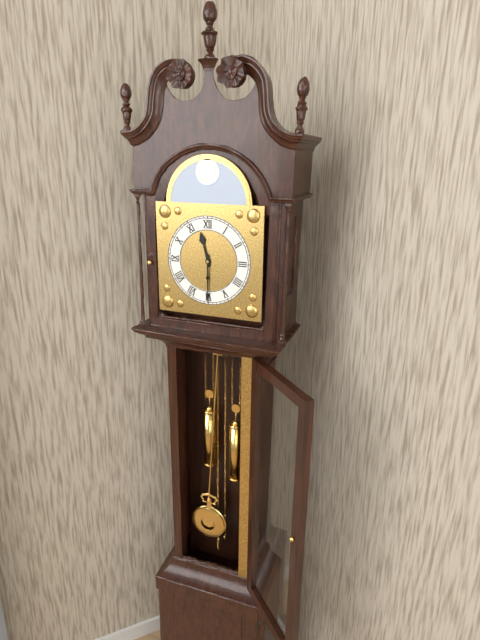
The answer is 11 h 30 min
